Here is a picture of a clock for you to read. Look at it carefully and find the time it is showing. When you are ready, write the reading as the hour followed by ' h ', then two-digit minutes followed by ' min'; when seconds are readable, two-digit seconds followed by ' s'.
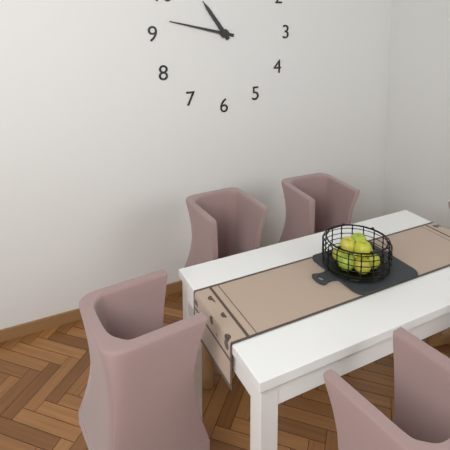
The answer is 10 h 47 min
